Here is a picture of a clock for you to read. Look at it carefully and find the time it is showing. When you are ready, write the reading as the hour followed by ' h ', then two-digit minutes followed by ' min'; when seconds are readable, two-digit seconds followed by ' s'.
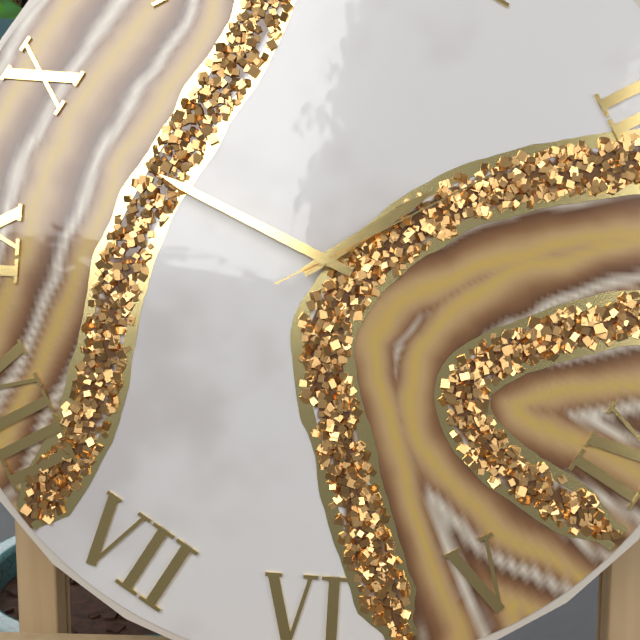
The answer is 1 h 49 min 10 s
